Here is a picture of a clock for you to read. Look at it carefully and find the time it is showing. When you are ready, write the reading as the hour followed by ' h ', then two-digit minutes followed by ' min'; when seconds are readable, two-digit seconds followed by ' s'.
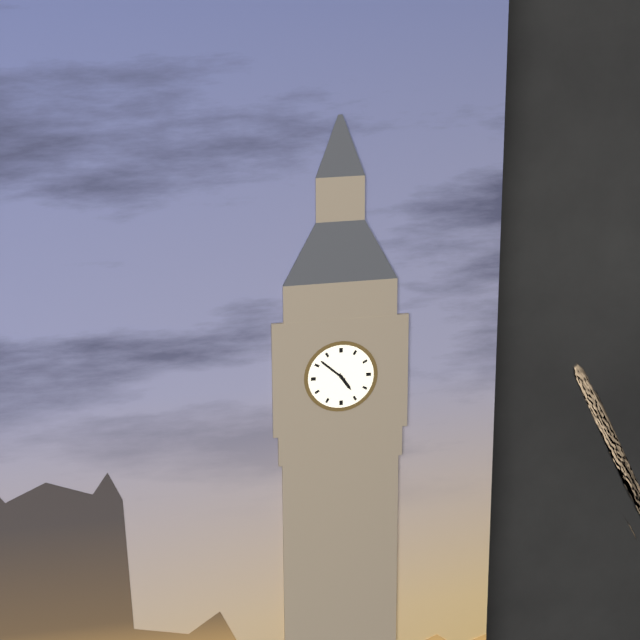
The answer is 4 h 52 min
